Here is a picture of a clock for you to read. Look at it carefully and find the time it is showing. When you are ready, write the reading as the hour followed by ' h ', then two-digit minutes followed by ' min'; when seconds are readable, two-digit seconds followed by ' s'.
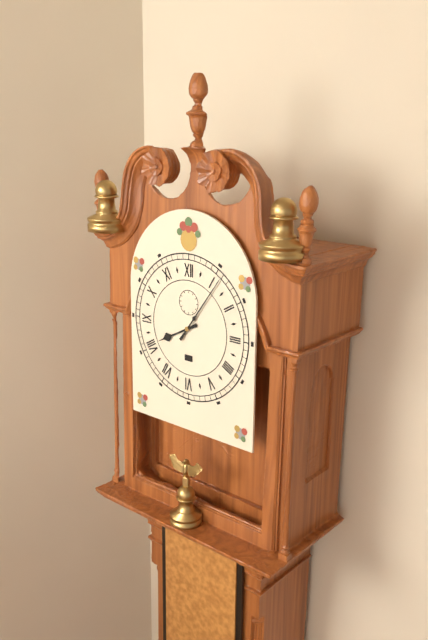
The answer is 8 h 06 min
